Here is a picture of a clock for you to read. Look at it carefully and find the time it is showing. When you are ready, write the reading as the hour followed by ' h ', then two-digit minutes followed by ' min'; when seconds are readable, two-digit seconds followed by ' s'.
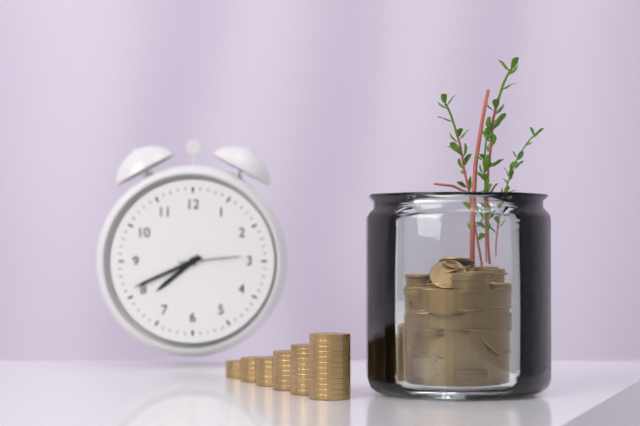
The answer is 7 h 41 min 14 s
